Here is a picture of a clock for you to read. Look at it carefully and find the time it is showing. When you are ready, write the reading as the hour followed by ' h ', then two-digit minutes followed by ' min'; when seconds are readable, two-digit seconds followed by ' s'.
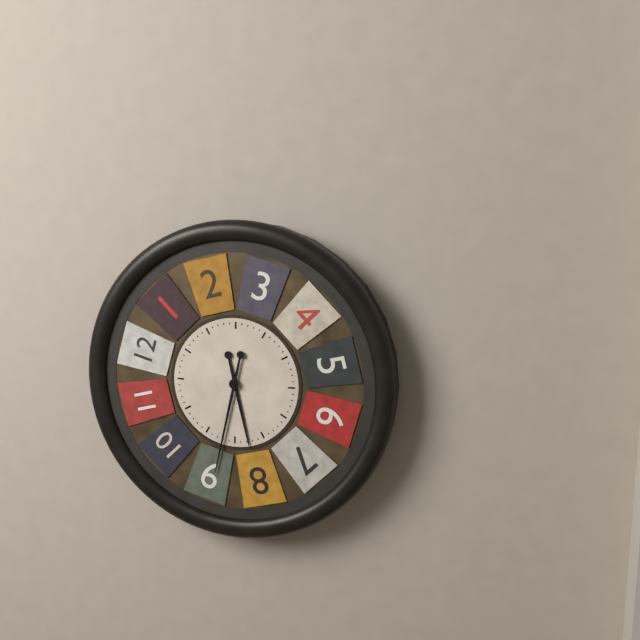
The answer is 5 h 32 min
